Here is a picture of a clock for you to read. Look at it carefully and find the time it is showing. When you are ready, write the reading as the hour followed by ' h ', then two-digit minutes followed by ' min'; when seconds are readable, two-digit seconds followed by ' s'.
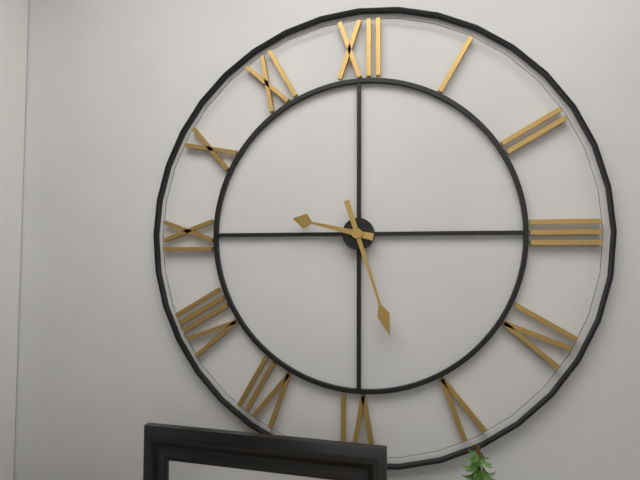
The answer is 9 h 27 min
